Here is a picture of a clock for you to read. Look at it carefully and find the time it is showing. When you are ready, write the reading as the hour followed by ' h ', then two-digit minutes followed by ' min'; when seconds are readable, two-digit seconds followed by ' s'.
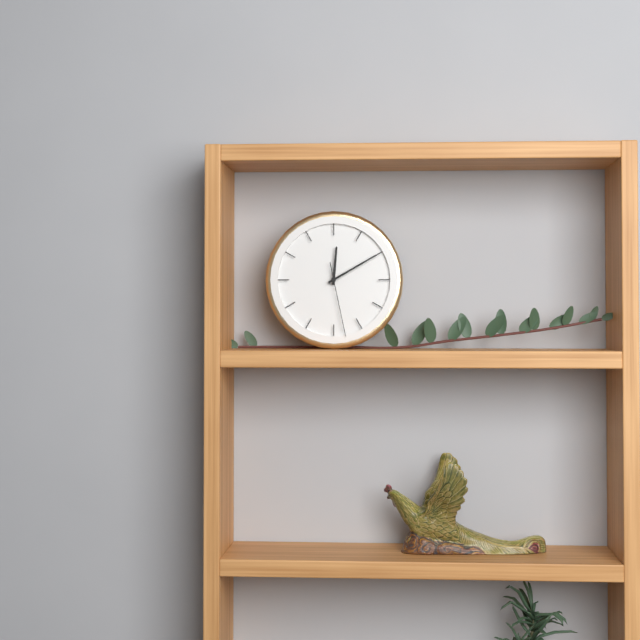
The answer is 12 h 10 min 28 s
